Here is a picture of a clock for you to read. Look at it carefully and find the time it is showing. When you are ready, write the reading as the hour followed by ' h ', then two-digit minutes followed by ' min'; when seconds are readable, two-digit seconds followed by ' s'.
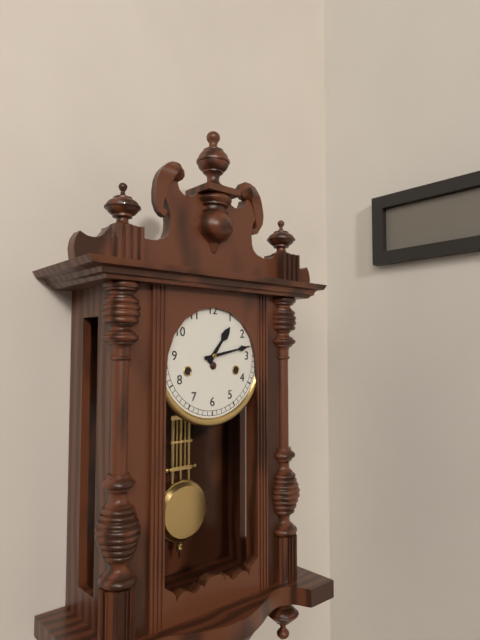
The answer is 1 h 13 min
